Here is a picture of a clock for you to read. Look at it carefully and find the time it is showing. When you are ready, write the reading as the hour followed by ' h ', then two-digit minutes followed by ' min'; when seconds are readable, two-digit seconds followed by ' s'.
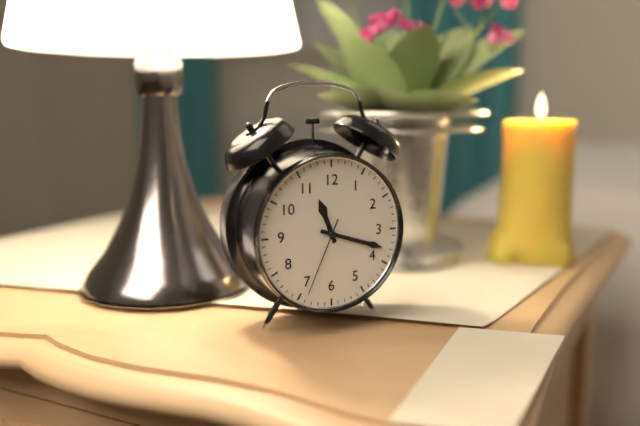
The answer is 11 h 18 min 34 s
